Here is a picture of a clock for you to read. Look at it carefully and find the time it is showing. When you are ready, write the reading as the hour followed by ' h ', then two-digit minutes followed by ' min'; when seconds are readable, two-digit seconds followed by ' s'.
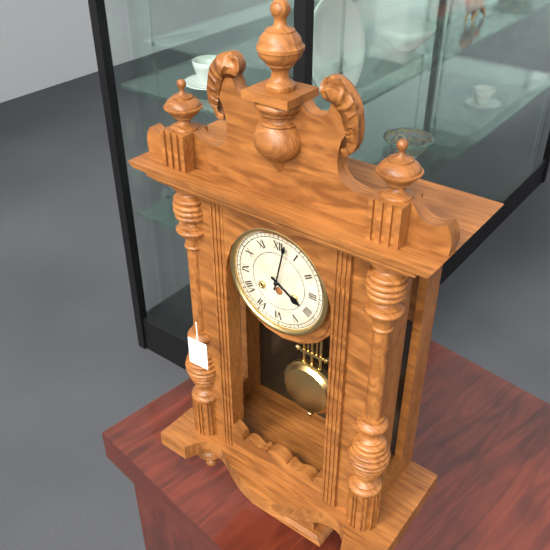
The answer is 4 h 02 min
